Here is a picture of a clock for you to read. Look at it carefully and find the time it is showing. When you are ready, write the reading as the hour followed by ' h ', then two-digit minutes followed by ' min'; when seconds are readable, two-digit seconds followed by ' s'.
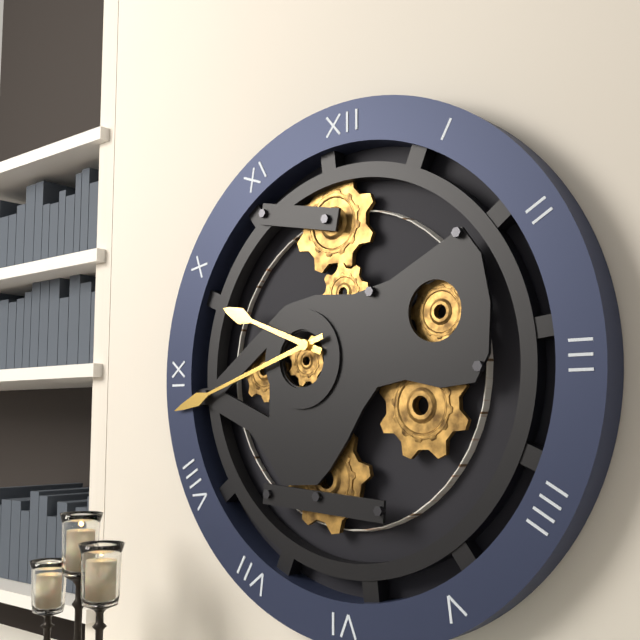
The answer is 9 h 42 min
